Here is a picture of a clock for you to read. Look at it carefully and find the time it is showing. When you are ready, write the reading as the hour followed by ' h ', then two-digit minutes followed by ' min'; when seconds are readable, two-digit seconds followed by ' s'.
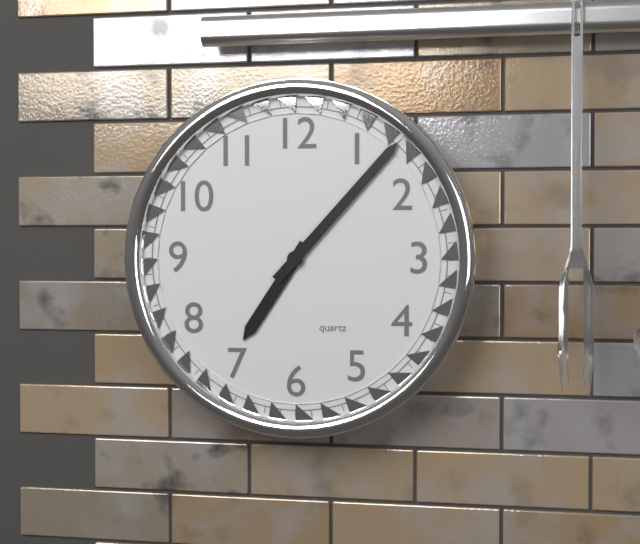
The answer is 7 h 07 min
